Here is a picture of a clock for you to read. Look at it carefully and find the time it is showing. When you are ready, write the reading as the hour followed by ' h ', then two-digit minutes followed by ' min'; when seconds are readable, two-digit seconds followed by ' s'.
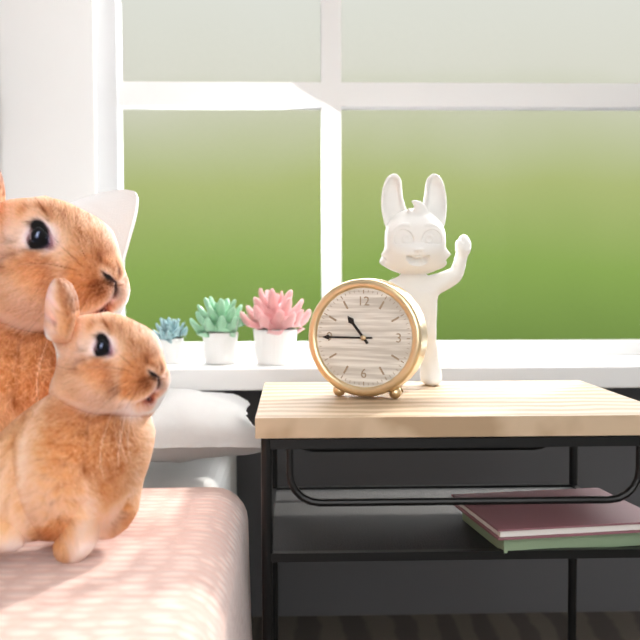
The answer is 10 h 45 min
